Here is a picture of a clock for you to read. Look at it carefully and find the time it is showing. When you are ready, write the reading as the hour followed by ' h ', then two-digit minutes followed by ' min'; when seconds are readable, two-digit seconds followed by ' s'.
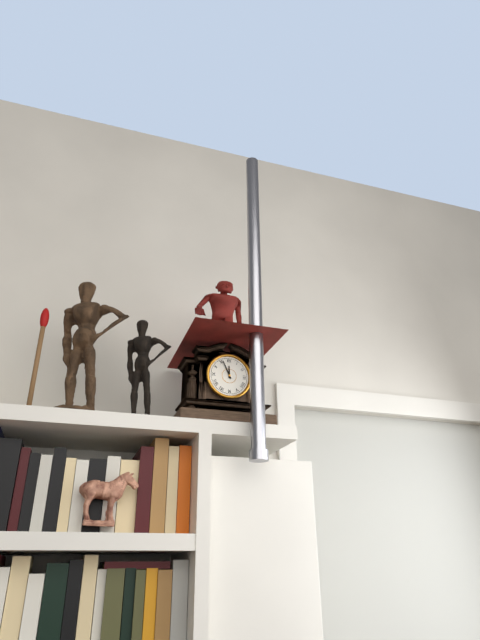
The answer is 11 h 56 min
